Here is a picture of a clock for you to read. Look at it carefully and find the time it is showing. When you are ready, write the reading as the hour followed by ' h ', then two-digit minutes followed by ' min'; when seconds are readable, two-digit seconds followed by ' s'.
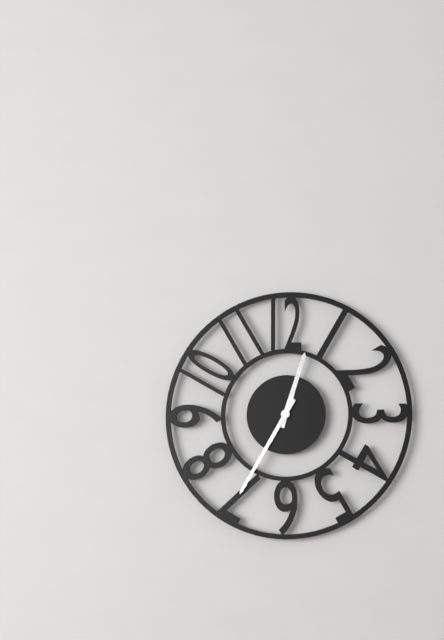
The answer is 12 h 35 min
